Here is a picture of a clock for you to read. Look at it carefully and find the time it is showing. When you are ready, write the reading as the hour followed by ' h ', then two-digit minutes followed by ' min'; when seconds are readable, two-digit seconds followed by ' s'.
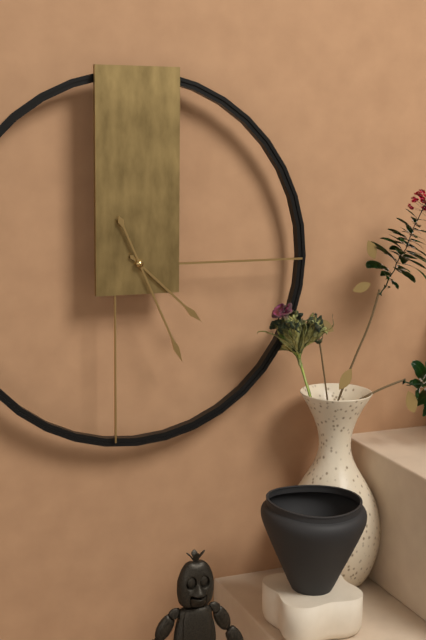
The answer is 4 h 26 min
